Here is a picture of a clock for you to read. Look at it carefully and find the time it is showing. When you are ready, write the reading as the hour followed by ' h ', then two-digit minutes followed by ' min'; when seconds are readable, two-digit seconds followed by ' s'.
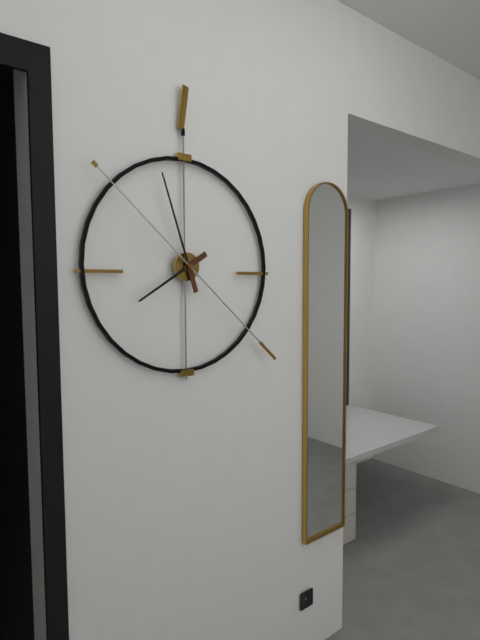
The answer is 7 h 57 min 22 s
